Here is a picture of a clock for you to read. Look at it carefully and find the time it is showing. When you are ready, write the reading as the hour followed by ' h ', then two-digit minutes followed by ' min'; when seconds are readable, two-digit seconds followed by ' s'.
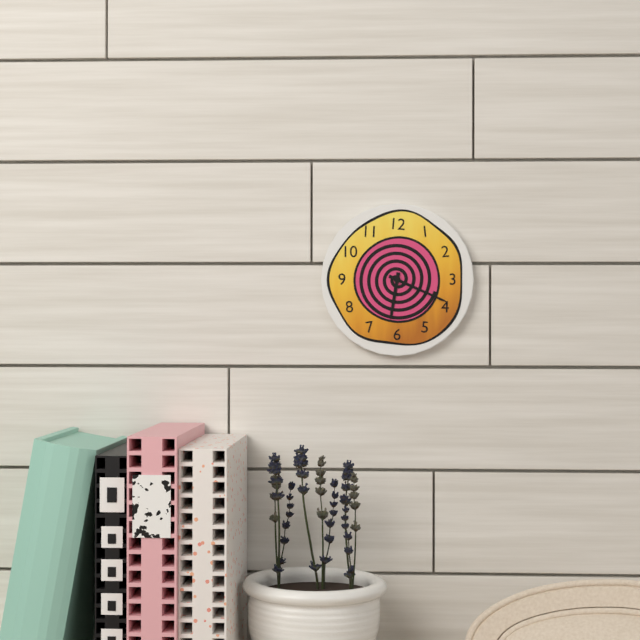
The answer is 6 h 19 min
